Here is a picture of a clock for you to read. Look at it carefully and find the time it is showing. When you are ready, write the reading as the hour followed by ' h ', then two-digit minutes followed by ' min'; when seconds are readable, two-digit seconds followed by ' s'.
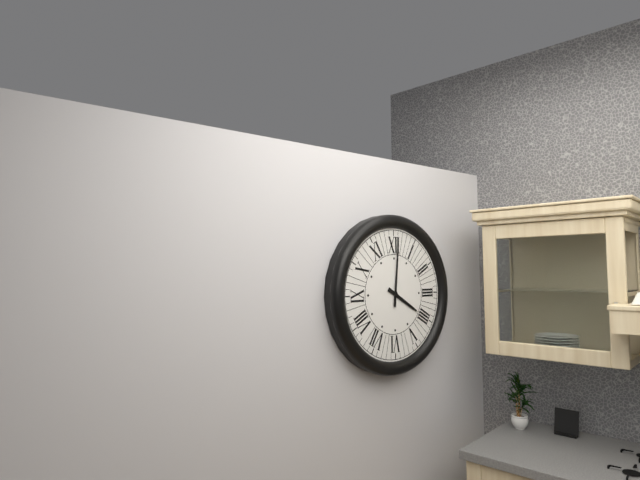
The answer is 4 h 01 min
